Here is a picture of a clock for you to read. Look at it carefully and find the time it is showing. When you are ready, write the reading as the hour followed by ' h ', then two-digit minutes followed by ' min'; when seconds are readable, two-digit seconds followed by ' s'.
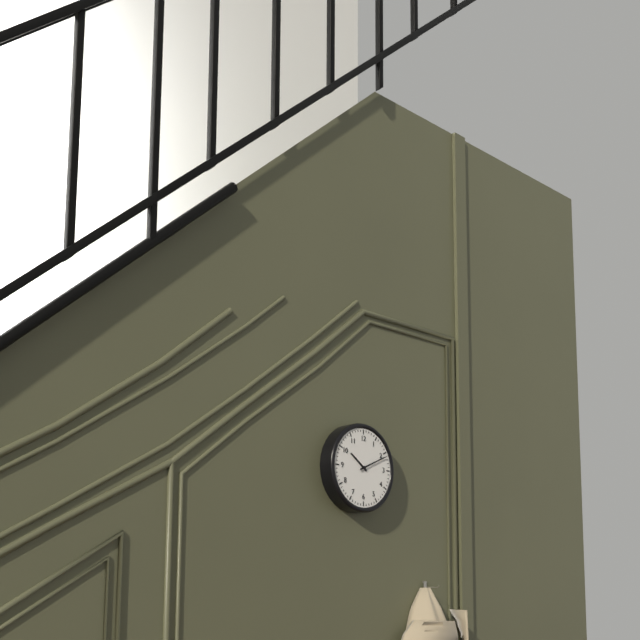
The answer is 10 h 11 min
